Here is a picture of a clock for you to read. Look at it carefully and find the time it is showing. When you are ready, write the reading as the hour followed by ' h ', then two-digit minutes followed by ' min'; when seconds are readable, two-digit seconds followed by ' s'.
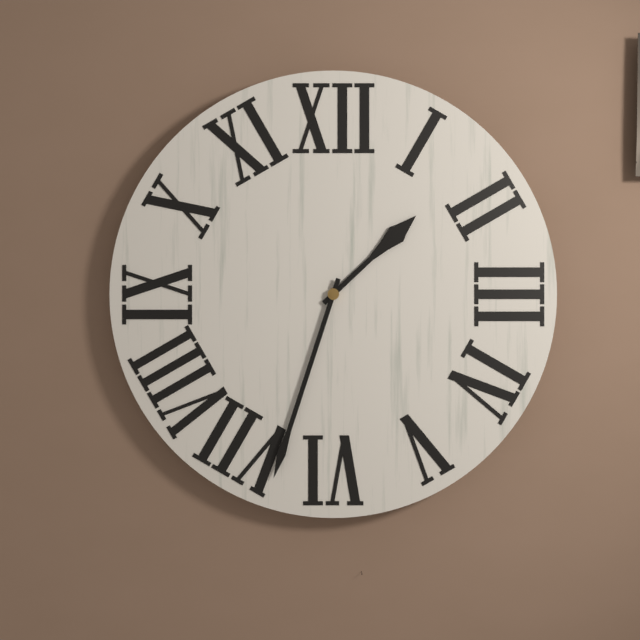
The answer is 1 h 33 min
